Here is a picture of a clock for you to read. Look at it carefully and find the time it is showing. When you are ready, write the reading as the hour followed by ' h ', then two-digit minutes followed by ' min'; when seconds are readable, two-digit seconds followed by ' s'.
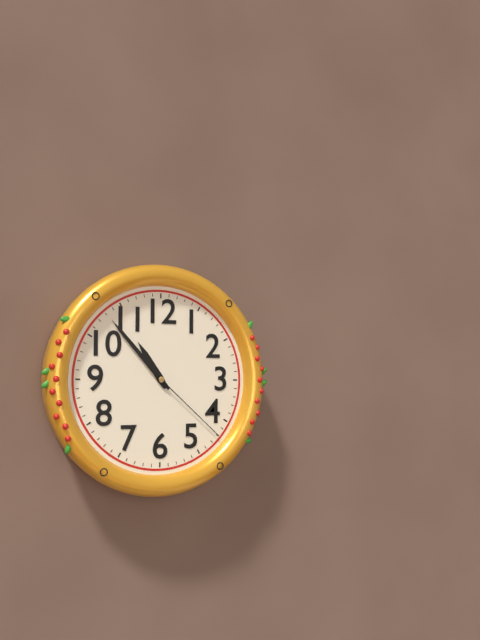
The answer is 10 h 53 min 22 s
